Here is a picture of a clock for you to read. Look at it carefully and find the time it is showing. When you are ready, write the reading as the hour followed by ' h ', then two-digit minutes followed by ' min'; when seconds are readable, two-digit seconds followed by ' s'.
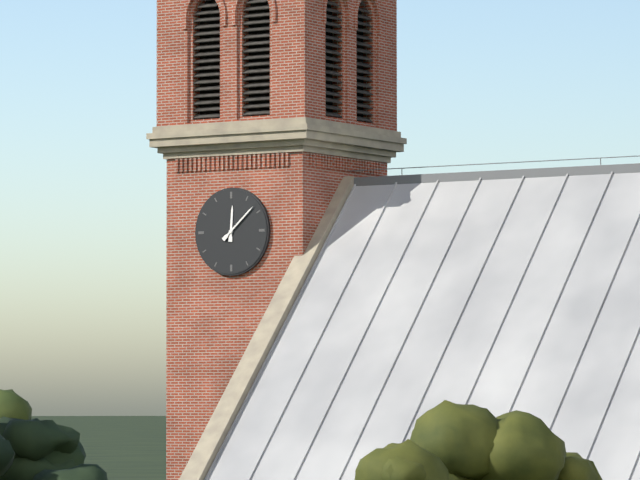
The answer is 12 h 08 min
